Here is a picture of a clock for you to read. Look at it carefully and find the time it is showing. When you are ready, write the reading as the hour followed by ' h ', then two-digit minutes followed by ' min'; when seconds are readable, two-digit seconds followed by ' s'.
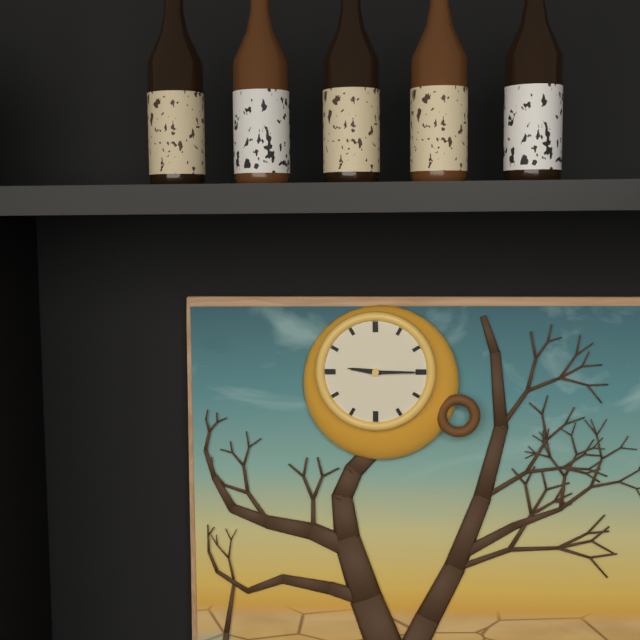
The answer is 9 h 15 min
